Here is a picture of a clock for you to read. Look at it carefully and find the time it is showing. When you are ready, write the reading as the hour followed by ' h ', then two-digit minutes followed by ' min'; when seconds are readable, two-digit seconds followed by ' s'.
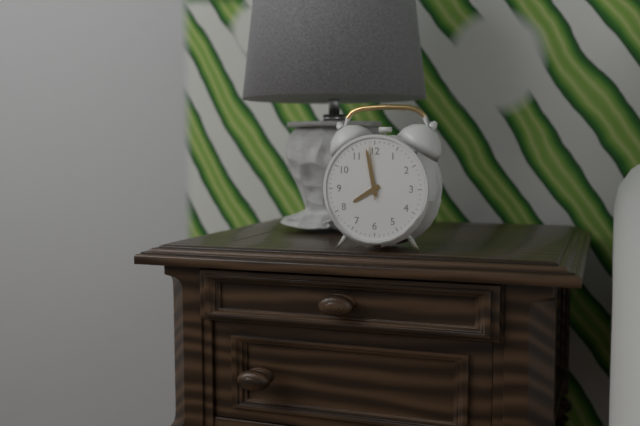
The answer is 7 h 58 min 59 s
